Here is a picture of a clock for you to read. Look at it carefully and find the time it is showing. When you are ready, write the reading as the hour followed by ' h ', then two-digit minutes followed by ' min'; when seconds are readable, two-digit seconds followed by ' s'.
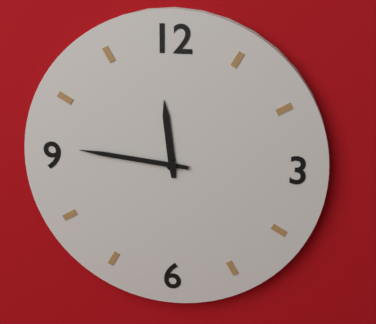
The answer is 11 h 46 min
